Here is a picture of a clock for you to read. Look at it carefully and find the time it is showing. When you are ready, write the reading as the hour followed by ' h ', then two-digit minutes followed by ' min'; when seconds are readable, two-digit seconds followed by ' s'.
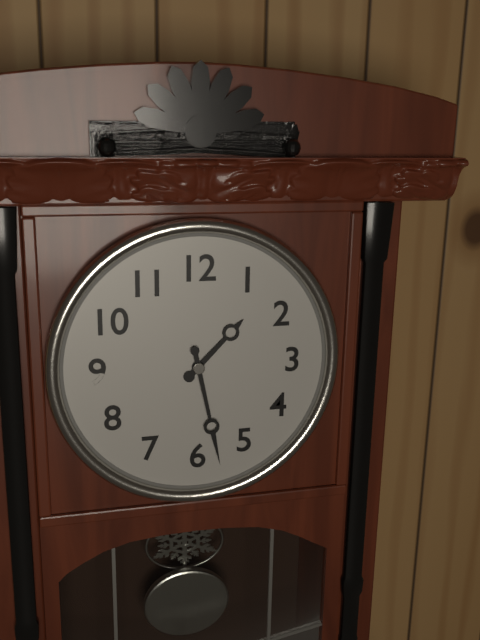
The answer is 1 h 28 min
